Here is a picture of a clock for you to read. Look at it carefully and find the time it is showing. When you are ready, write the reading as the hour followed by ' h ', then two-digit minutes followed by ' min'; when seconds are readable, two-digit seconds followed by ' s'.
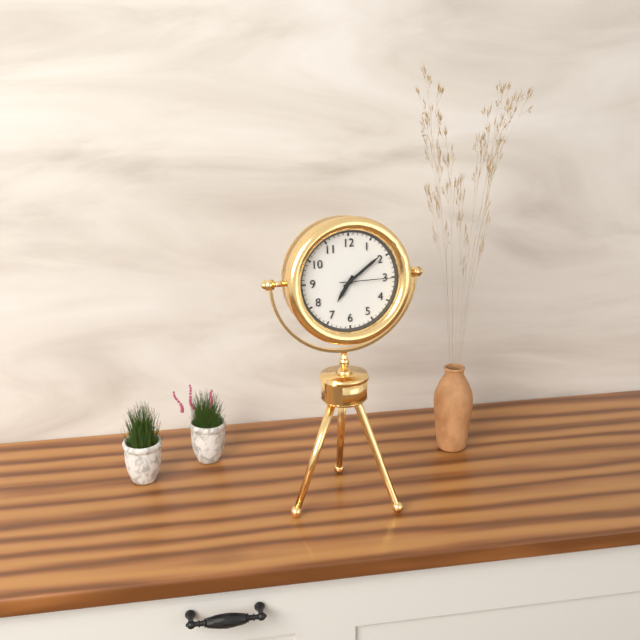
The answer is 7 h 09 min 15 s
